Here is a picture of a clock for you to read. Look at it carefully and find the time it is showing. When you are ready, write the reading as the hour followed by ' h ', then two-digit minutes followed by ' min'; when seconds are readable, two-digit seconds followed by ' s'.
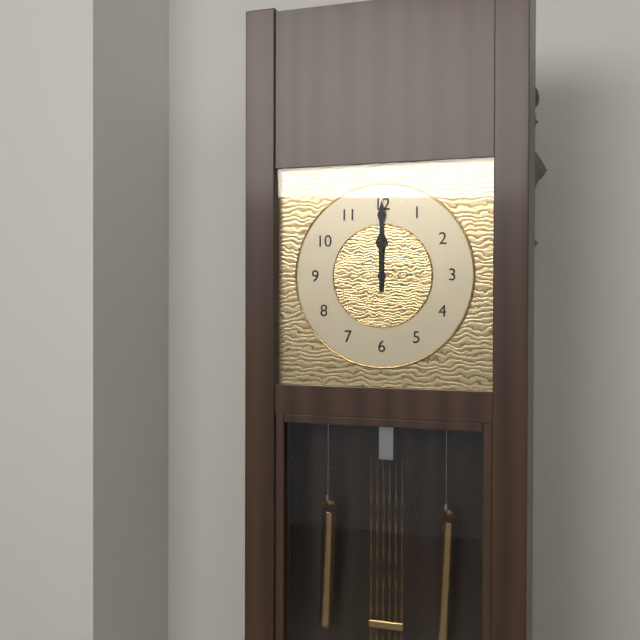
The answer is 12 h 00 min
